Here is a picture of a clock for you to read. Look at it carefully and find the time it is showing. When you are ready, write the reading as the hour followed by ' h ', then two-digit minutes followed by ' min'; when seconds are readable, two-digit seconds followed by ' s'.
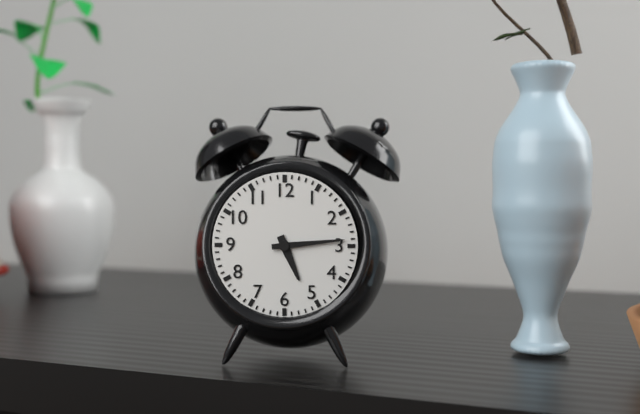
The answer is 5 h 14 min
